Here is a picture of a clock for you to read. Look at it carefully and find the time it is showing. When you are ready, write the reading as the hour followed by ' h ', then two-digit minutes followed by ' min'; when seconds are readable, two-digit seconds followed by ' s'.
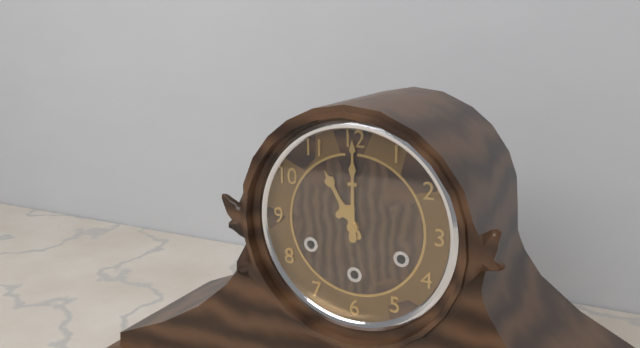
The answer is 11 h 00 min
